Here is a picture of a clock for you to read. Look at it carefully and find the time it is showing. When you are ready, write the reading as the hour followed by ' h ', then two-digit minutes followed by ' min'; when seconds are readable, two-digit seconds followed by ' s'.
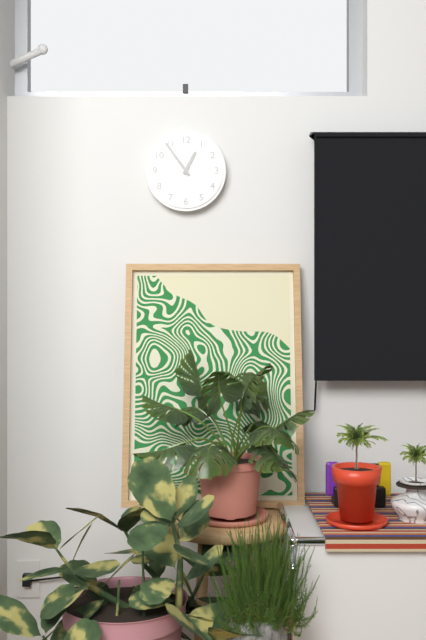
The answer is 12 h 54 min
